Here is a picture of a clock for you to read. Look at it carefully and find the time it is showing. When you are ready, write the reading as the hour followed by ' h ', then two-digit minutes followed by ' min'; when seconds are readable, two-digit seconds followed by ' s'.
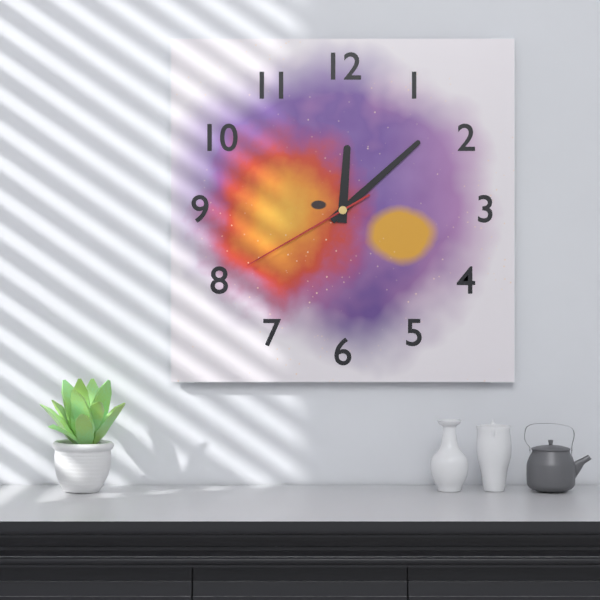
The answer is 12 h 08 min 40 s
